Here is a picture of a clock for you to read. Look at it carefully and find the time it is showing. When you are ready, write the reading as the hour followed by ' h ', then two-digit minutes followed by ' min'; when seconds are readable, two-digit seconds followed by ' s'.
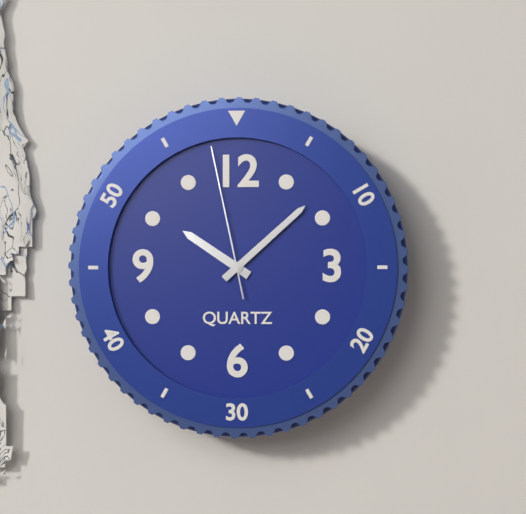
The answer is 10 h 08 min 58 s
